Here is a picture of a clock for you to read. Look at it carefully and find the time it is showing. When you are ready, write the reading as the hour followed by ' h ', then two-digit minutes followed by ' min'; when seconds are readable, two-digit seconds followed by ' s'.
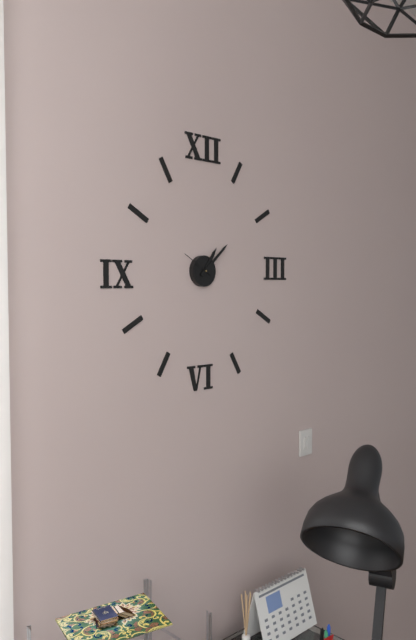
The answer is 1 h 08 min
